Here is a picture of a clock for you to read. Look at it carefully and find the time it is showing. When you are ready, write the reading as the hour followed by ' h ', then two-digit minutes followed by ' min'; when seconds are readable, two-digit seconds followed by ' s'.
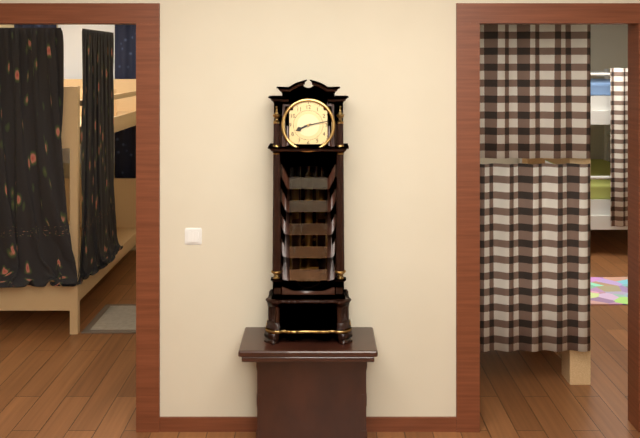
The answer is 8 h 13 min
